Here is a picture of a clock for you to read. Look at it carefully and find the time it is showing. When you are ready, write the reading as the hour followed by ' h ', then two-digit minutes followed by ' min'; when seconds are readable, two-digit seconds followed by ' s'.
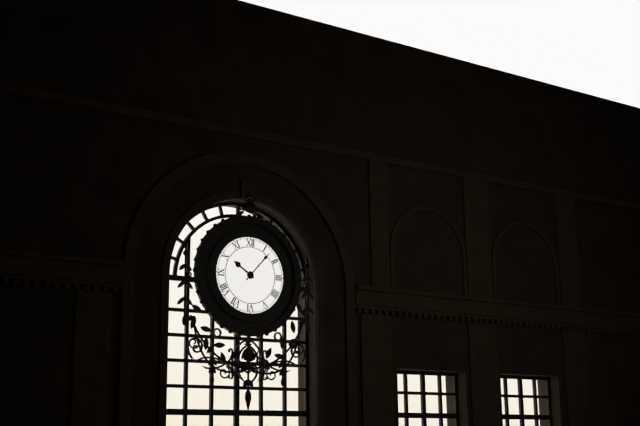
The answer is 10 h 07 min
